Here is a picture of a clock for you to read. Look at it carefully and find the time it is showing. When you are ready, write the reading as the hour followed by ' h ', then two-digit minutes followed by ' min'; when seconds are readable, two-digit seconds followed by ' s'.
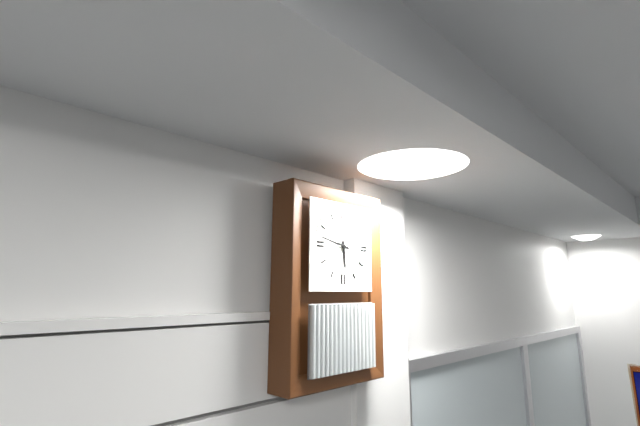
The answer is 5 h 47 min
